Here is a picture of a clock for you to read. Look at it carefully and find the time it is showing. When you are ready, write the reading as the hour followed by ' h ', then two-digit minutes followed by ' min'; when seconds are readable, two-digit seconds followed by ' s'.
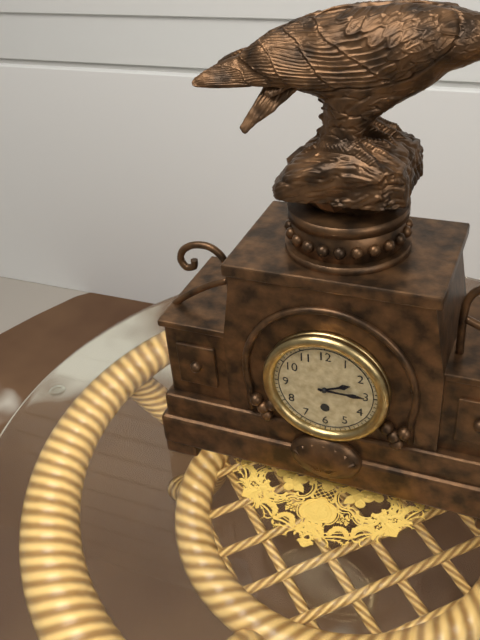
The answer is 2 h 15 min
